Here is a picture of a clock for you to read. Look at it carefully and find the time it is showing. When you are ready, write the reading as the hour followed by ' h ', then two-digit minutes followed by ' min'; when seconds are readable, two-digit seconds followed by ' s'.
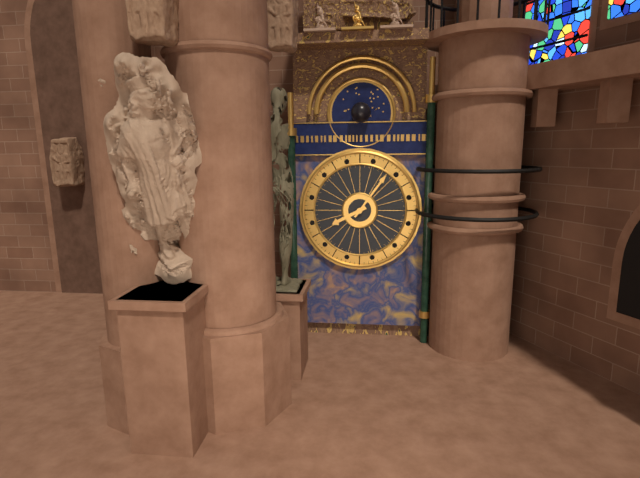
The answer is 8 h 06 min
